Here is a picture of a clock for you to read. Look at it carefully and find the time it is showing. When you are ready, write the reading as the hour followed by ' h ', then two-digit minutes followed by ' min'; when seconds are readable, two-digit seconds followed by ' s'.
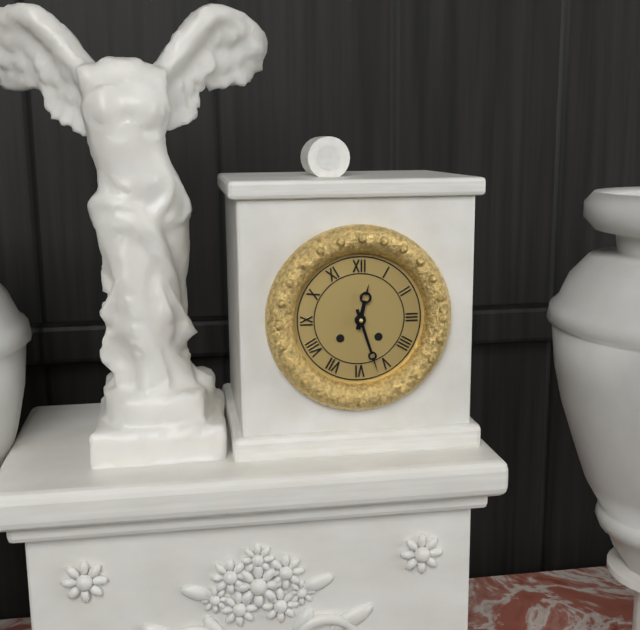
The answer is 12 h 27 min
